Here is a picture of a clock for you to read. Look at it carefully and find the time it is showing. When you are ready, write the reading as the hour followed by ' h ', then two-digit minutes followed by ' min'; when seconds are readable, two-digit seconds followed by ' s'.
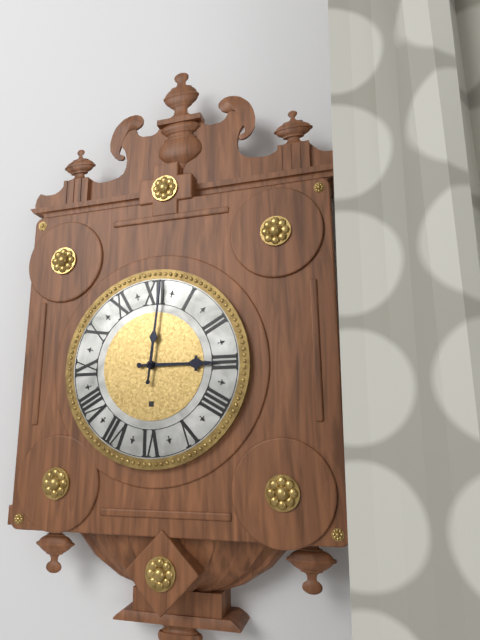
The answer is 3 h 01 min
